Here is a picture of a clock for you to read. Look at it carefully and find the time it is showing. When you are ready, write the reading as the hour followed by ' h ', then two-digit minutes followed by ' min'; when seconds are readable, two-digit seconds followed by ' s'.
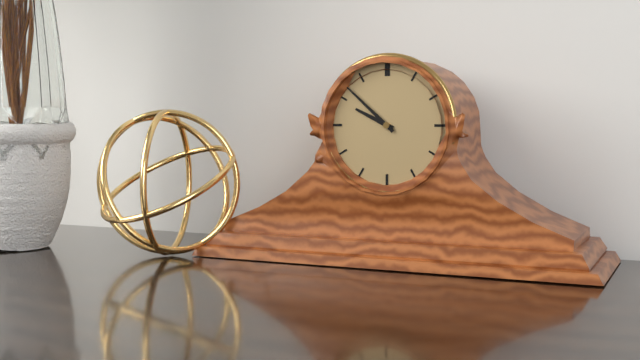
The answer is 9 h 52 min
